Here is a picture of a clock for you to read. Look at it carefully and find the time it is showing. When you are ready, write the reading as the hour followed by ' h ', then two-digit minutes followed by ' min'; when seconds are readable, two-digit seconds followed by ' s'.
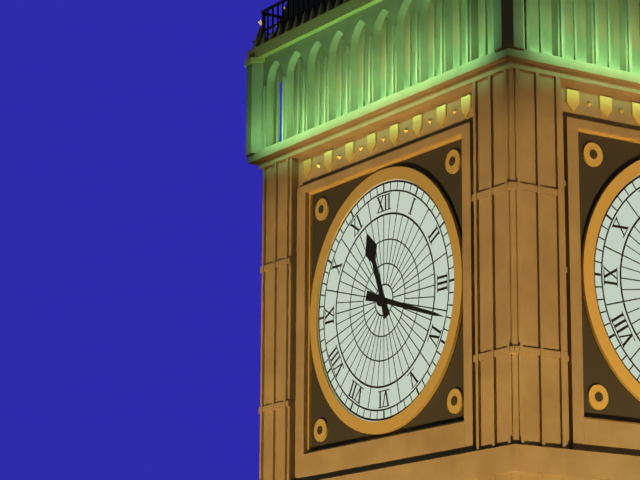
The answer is 11 h 18 min
